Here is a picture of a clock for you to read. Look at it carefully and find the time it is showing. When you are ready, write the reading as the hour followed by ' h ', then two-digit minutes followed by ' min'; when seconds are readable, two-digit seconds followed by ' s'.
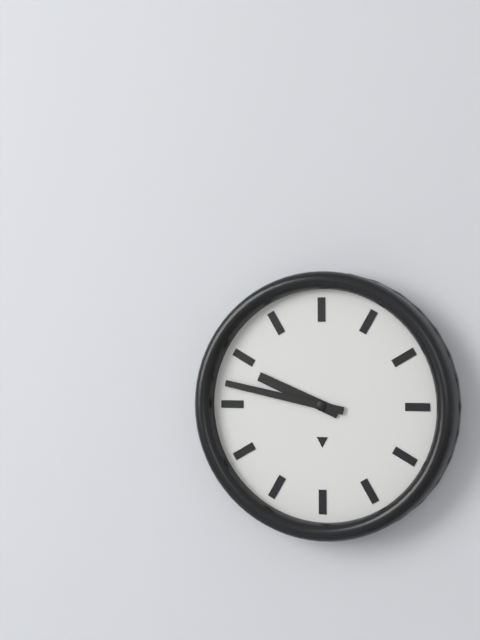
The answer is 9 h 47 min
